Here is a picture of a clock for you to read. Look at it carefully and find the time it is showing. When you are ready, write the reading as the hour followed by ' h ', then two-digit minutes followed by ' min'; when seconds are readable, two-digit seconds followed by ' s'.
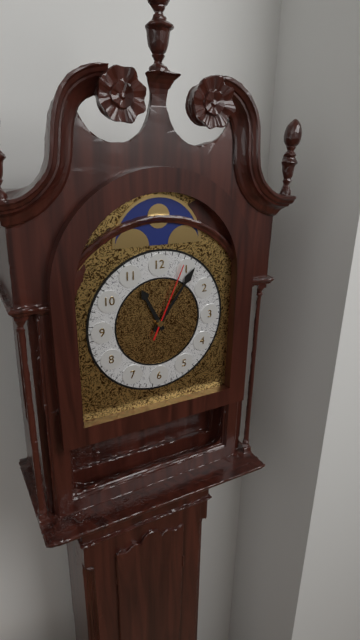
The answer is 11 h 06 min 04 s
